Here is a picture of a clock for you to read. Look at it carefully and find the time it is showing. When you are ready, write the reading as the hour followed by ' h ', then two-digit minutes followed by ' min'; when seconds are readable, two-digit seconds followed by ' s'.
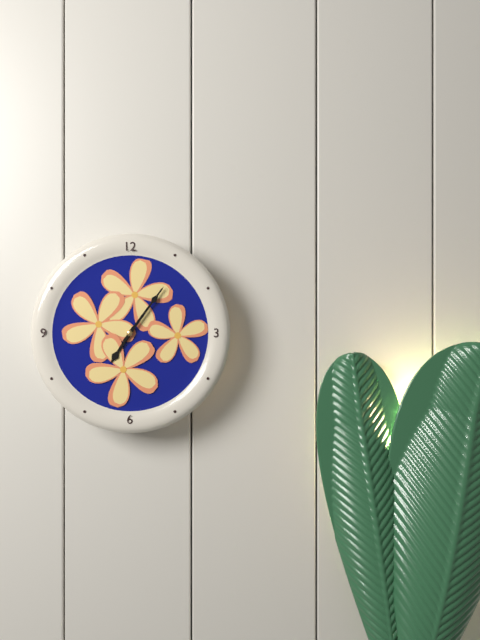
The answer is 7 h 06 min
